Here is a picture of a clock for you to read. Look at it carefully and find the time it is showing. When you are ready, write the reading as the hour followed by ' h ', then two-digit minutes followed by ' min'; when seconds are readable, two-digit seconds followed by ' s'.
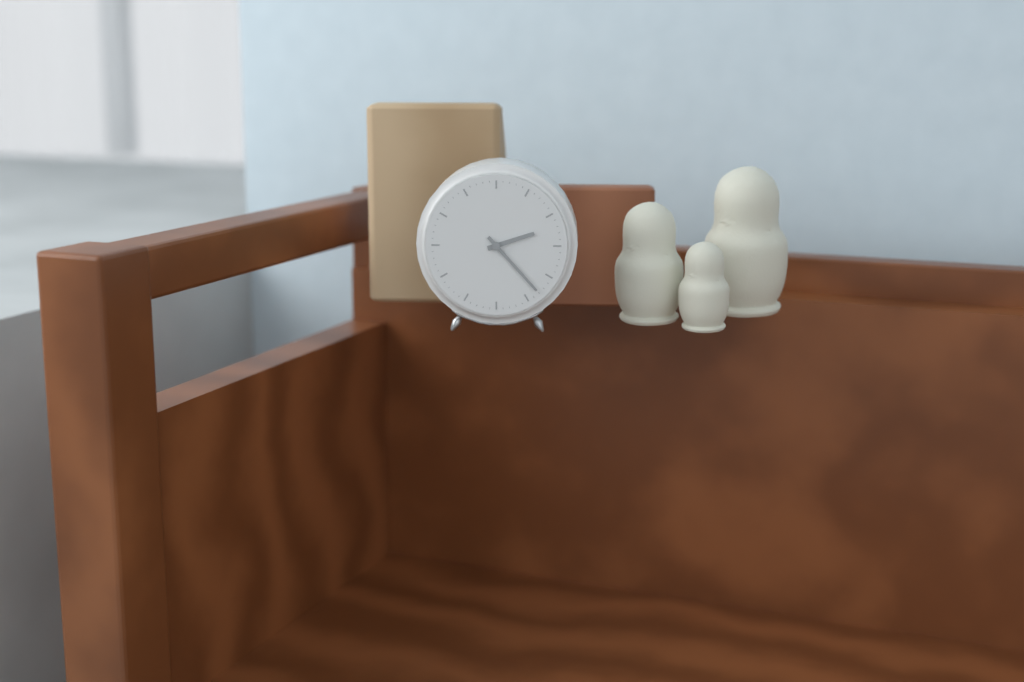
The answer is 2 h 23 min
